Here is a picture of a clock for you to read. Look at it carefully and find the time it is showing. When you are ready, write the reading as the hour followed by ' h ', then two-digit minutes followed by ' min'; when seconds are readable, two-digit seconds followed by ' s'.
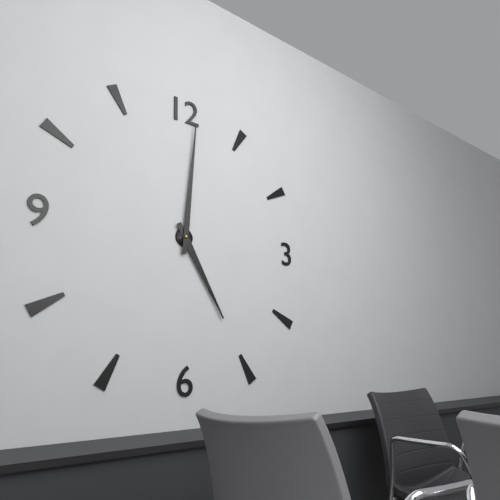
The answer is 5 h 01 min
